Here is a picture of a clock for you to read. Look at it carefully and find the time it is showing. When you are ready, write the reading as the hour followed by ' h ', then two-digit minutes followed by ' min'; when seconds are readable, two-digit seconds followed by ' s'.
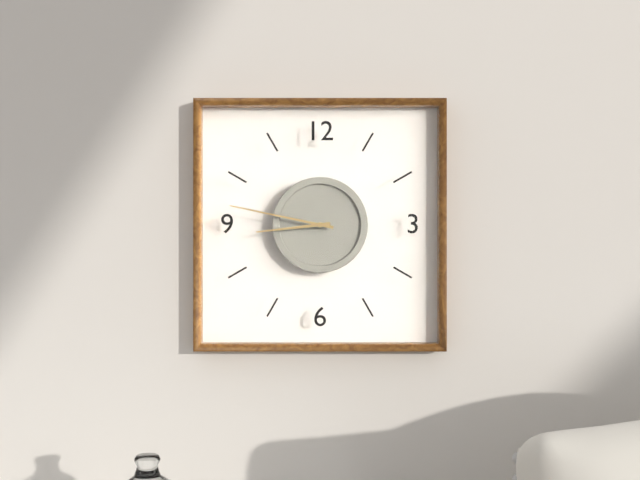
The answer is 8 h 47 min
